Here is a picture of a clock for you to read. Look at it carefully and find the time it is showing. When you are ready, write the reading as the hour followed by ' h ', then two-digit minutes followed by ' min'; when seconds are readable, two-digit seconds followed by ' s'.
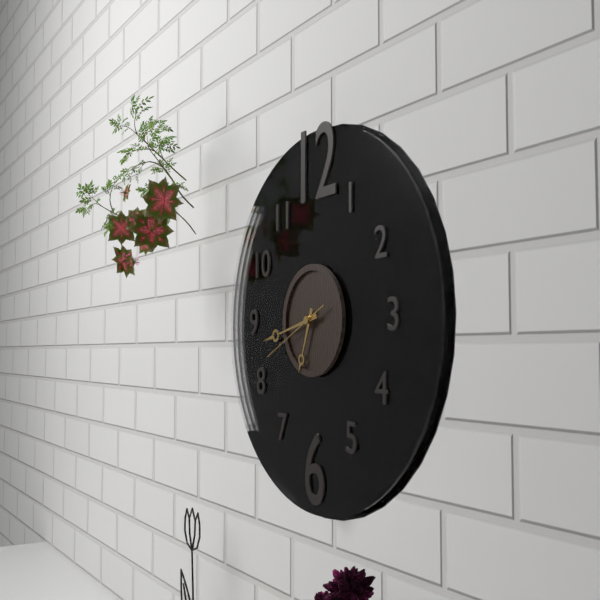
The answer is 6 h 43 min 41 s
